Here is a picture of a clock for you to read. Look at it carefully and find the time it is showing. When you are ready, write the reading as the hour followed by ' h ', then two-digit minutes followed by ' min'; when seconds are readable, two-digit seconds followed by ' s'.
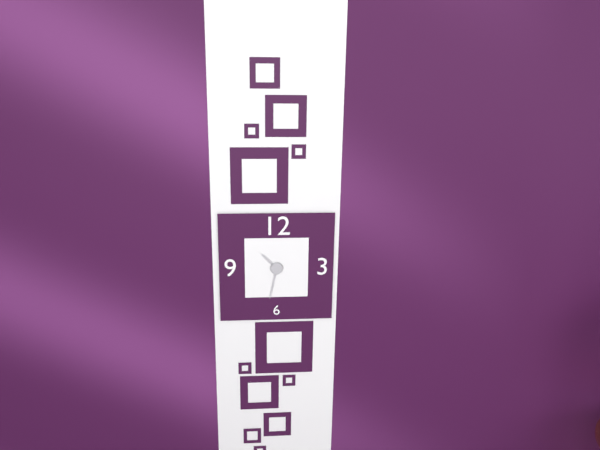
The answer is 10 h 32 min
